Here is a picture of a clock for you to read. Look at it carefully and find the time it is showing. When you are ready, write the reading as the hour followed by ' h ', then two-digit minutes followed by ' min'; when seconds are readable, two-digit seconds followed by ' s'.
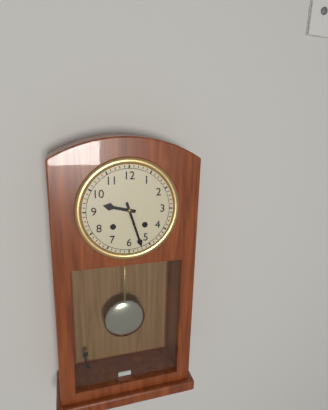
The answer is 9 h 27 min
